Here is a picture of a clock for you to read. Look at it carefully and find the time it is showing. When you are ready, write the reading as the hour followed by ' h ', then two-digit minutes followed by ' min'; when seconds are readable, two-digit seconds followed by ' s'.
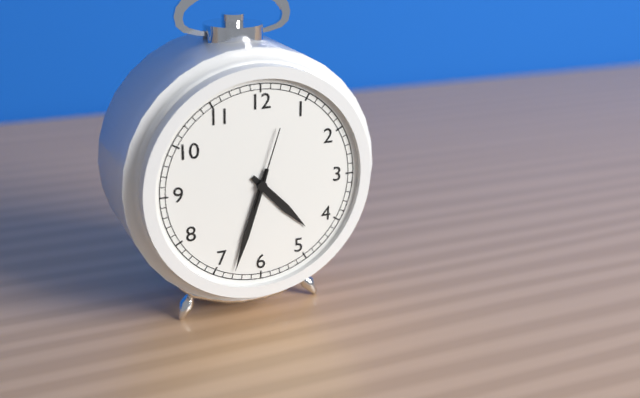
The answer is 4 h 33 min 03 s
